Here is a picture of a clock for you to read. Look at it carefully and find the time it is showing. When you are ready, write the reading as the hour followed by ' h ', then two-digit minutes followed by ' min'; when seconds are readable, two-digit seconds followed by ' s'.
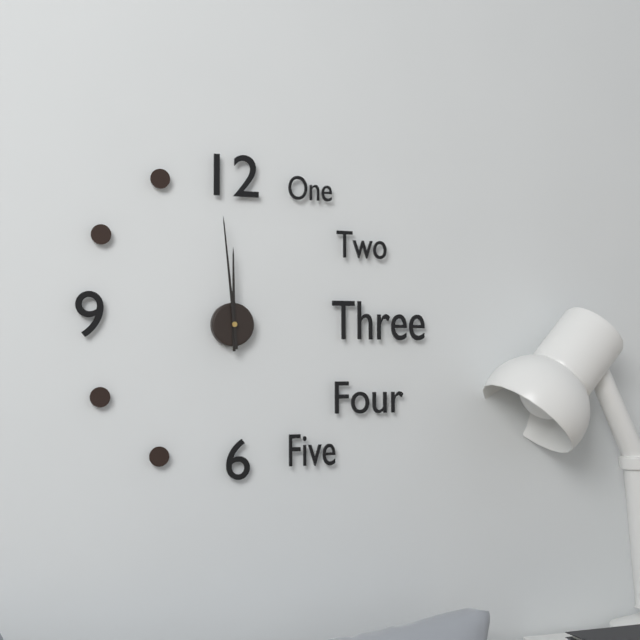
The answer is 11 h 59 min
